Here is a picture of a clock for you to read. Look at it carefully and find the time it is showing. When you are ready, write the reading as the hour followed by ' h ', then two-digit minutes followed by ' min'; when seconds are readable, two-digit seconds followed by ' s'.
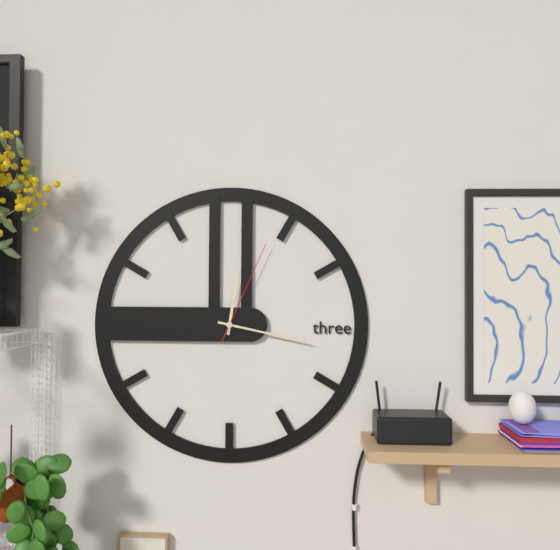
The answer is 12 h 17 min 04 s
